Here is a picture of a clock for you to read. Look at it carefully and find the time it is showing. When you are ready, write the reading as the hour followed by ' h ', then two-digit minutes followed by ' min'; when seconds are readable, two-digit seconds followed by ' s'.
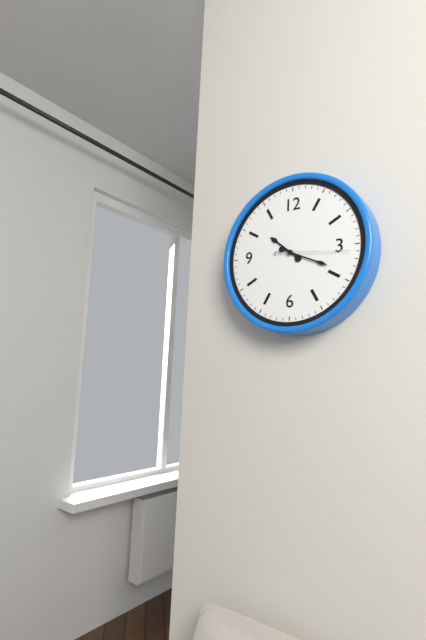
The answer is 10 h 19 min 16 s
